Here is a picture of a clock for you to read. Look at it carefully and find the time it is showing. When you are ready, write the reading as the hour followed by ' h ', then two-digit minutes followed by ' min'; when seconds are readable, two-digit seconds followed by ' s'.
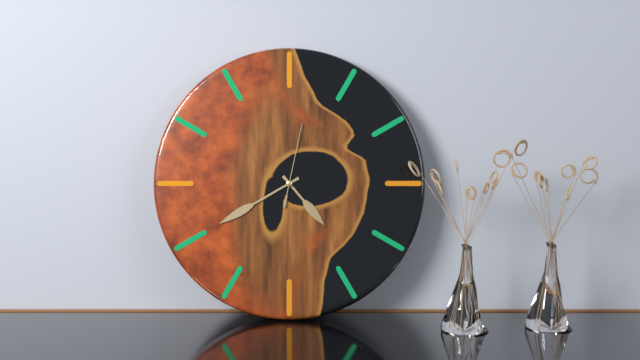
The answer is 4 h 40 min 02 s
